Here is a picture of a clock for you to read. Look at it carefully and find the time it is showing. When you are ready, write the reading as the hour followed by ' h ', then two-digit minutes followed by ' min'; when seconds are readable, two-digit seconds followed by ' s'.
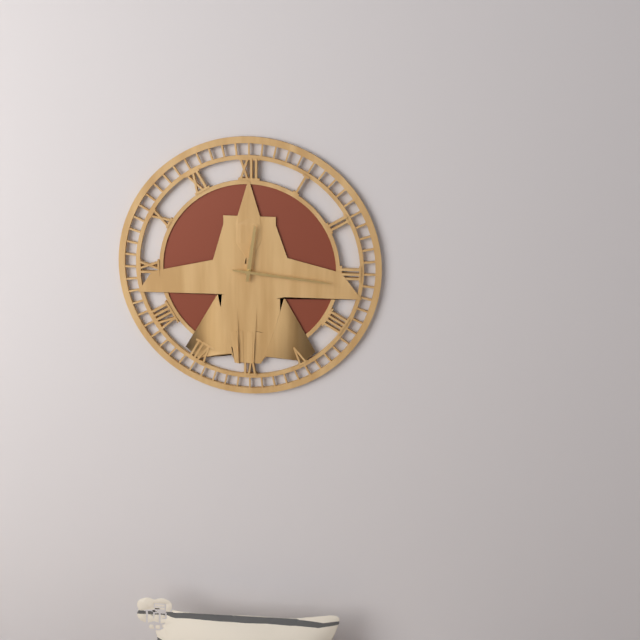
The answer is 12 h 16 min
